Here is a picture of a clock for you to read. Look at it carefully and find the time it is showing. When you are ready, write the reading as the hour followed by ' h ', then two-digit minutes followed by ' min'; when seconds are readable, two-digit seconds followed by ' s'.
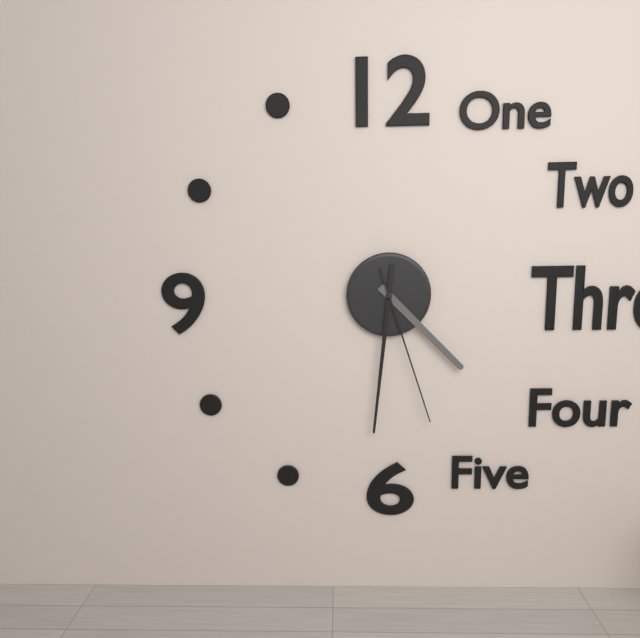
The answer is 4 h 31 min 27 s
